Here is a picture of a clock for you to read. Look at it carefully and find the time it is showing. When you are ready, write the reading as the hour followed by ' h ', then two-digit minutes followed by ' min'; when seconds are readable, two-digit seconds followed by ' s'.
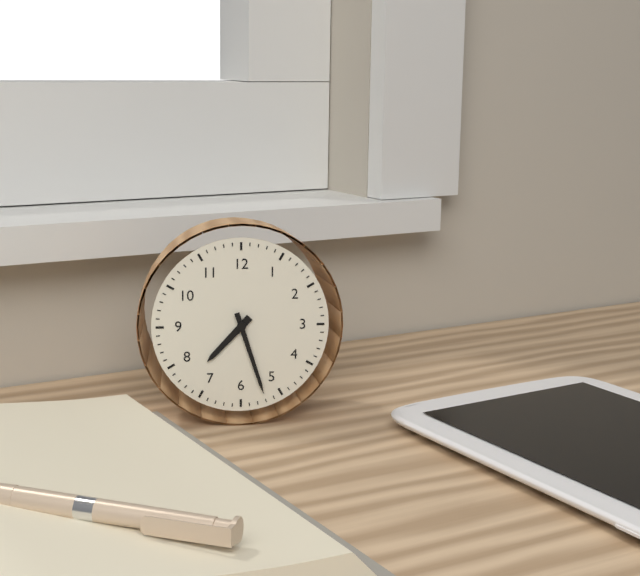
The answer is 7 h 27 min
